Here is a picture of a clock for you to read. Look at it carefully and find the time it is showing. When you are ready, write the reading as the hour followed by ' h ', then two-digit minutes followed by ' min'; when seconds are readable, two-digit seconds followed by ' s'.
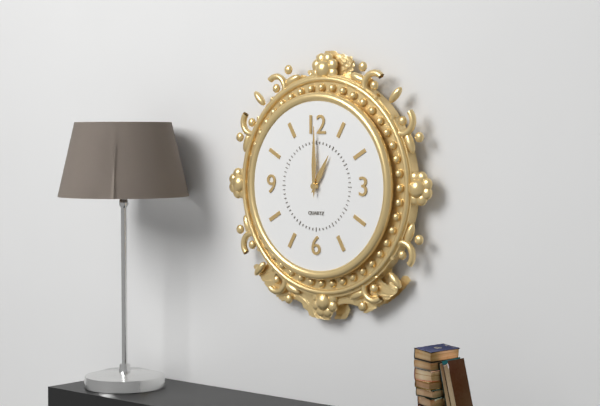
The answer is 1 h 00 min
